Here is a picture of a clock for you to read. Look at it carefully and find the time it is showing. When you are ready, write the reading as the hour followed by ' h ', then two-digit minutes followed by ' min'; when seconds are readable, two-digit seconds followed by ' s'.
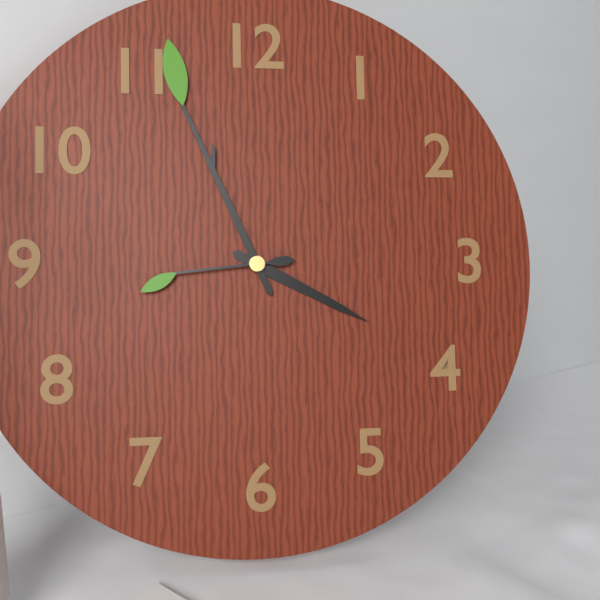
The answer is 3 h 56 min 44 s
